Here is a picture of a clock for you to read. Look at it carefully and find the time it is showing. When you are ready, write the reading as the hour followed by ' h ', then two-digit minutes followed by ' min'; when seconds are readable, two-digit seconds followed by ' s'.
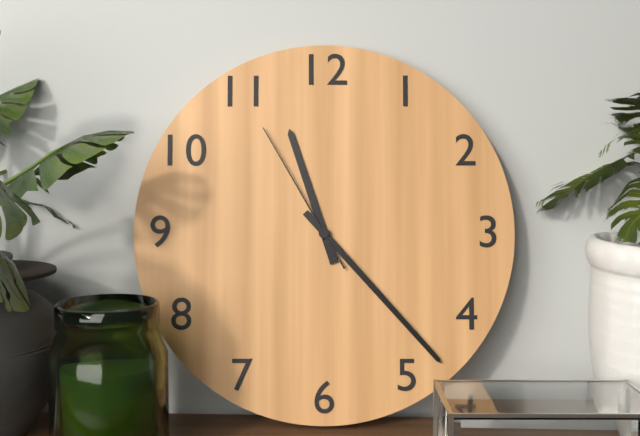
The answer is 11 h 23 min 55 s
